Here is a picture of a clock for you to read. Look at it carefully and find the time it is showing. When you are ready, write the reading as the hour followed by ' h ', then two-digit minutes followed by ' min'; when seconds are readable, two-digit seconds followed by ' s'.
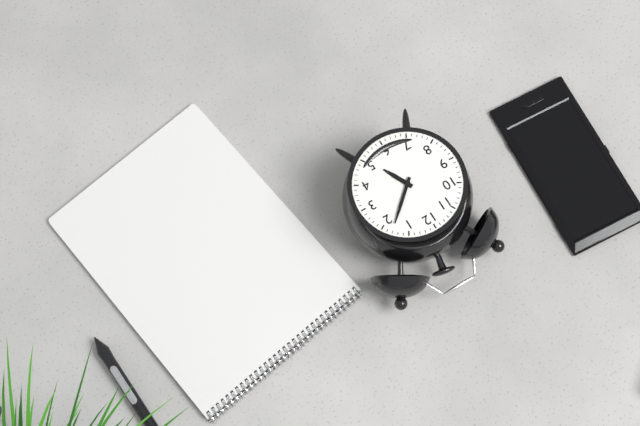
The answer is 5 h 08 min
